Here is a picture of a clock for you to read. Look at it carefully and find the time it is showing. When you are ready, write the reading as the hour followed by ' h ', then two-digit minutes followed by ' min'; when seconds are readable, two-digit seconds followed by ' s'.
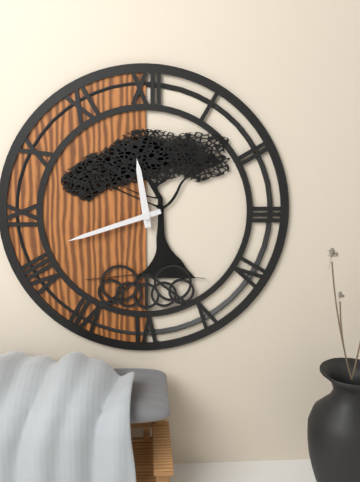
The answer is 11 h 42 min
